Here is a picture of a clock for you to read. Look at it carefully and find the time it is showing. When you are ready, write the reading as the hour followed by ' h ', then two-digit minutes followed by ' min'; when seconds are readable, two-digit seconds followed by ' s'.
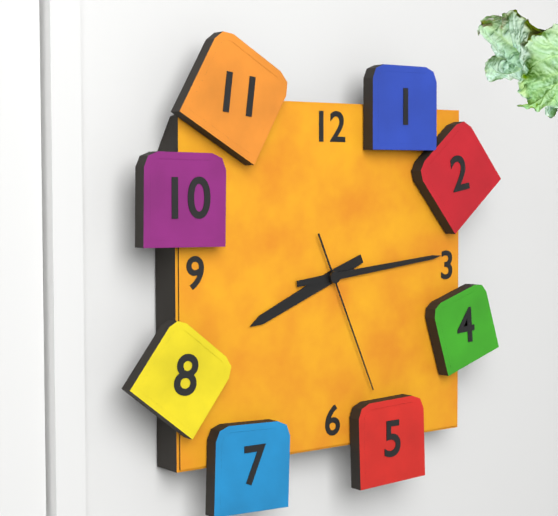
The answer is 8 h 14 min 26 s
